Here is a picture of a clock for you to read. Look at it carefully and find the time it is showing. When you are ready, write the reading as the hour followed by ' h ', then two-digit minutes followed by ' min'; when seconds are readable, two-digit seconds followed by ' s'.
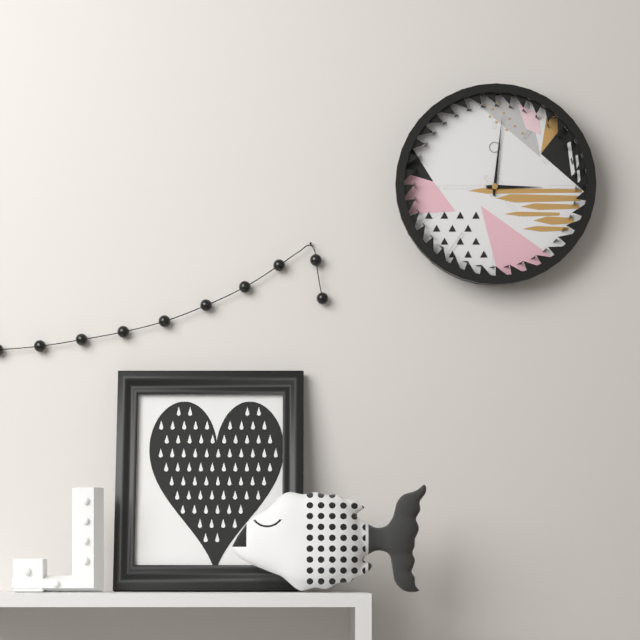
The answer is 3 h 01 min
